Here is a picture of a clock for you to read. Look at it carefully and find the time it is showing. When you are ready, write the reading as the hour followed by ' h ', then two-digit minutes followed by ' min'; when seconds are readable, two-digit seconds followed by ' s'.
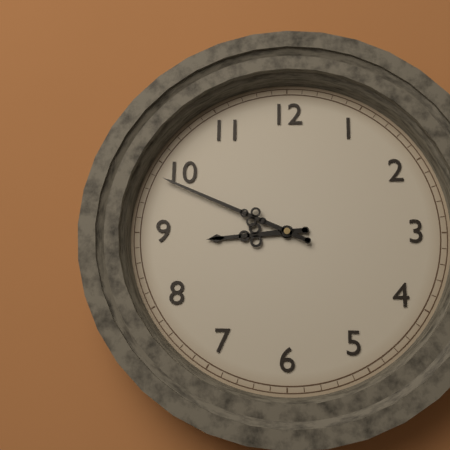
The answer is 8 h 49 min
